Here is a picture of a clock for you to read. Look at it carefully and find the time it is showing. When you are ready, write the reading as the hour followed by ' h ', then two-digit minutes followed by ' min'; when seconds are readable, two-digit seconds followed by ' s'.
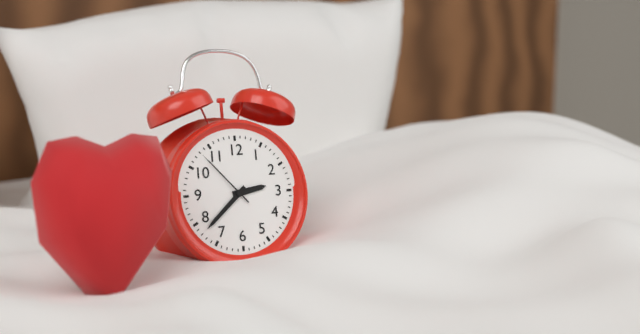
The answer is 2 h 38 min 53 s
